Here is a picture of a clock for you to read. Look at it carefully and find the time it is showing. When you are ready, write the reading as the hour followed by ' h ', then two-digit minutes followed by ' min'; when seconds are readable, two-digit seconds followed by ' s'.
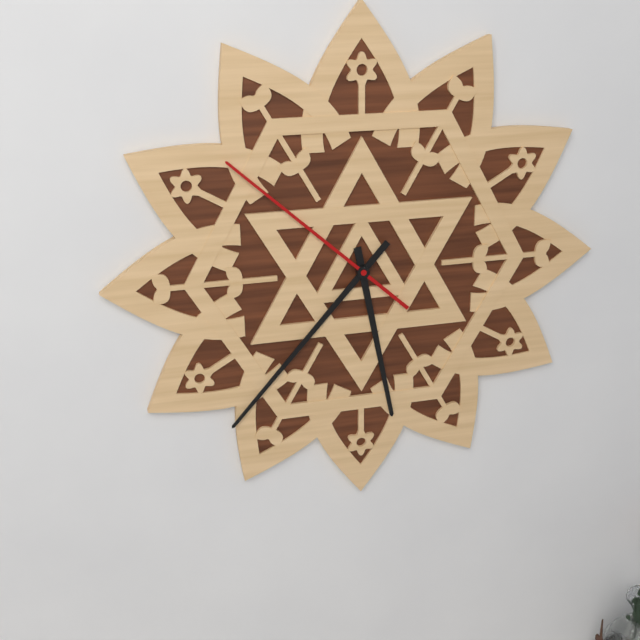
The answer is 5 h 37 min 52 s
